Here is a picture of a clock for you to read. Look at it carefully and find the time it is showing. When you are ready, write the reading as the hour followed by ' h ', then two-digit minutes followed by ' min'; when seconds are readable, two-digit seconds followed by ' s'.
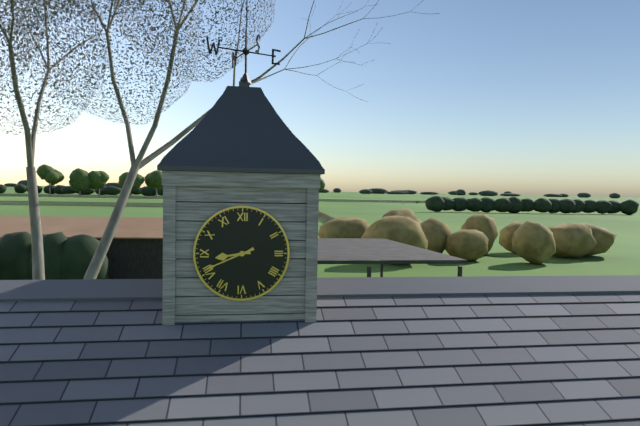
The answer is 8 h 41 min
